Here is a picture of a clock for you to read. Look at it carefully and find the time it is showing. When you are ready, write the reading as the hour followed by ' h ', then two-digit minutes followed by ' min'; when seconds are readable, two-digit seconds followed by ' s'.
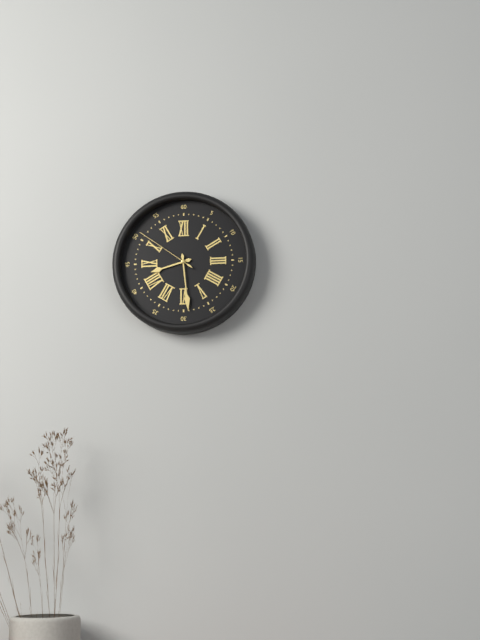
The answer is 8 h 29 min 51 s
